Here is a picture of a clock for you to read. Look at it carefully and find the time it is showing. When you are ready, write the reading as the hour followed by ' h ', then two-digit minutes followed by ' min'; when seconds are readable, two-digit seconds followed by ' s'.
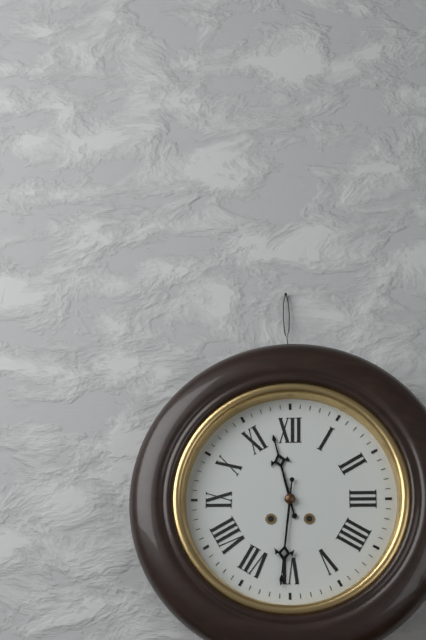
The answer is 11 h 31 min
